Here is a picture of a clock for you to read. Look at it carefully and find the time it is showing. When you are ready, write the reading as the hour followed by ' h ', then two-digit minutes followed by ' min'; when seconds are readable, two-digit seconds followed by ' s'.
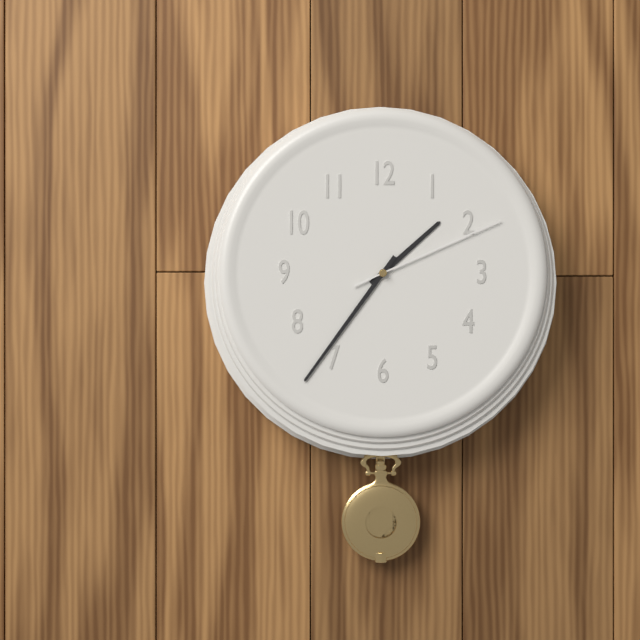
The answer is 1 h 36 min 11 s
